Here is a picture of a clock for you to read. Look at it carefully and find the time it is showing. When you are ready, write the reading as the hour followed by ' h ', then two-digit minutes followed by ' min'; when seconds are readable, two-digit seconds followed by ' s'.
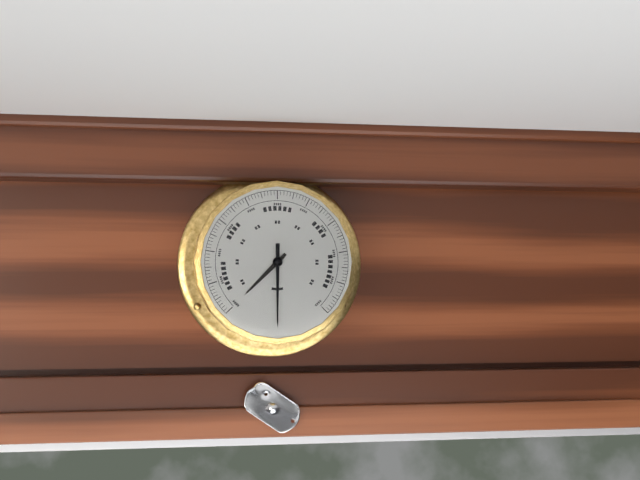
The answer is 7 h 30 min
